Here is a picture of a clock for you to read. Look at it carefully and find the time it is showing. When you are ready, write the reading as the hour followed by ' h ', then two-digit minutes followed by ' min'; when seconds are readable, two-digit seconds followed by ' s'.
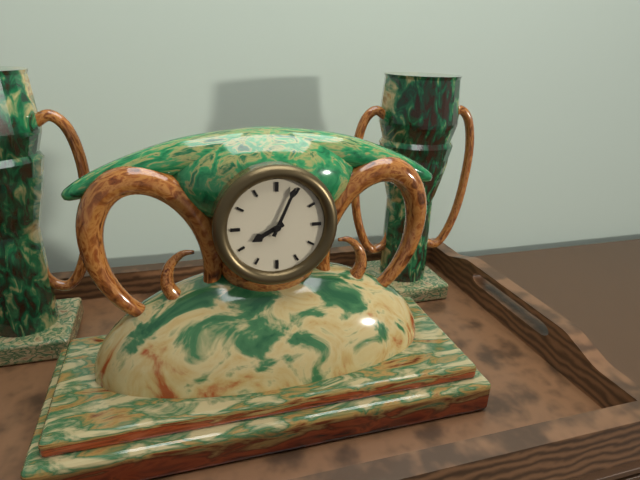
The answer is 8 h 04 min
